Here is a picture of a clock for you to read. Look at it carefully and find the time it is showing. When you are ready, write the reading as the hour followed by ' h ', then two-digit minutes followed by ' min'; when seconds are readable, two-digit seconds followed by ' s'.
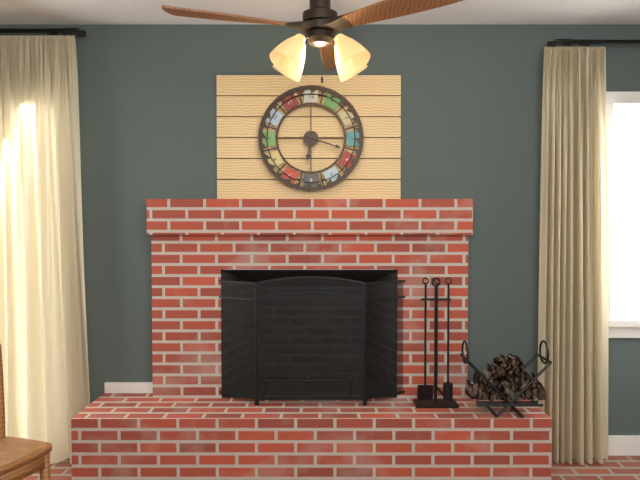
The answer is 6 h 18 min
